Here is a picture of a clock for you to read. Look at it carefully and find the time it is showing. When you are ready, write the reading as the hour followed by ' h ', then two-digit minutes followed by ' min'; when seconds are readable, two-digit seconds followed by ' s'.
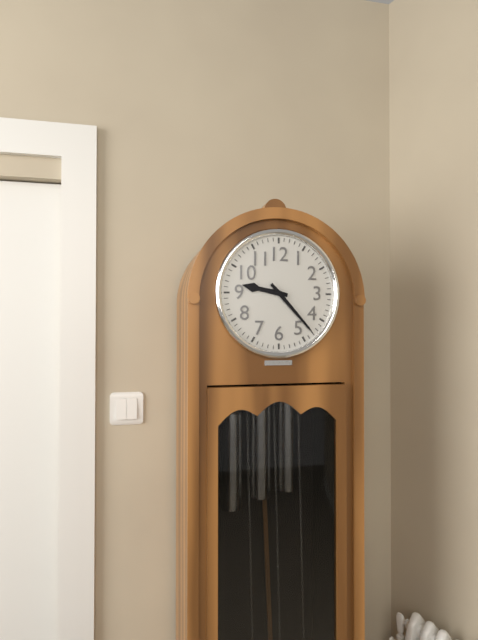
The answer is 9 h 23 min
